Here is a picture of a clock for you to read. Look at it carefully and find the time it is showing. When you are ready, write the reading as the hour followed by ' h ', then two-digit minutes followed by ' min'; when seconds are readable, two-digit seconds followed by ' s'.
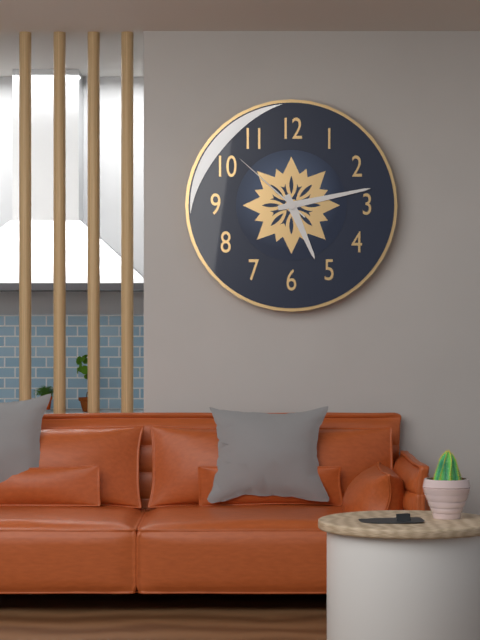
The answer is 5 h 13 min 52 s
